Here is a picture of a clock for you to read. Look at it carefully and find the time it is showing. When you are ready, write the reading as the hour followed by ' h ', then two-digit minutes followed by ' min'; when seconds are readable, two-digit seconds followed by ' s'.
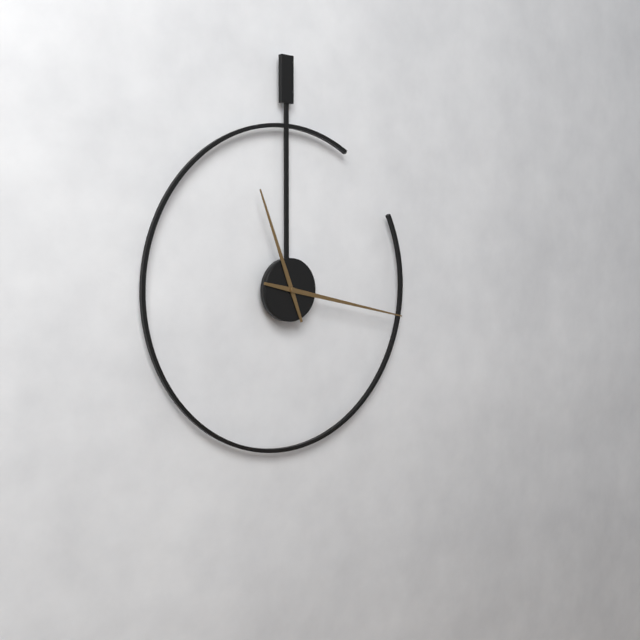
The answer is 11 h 17 min
